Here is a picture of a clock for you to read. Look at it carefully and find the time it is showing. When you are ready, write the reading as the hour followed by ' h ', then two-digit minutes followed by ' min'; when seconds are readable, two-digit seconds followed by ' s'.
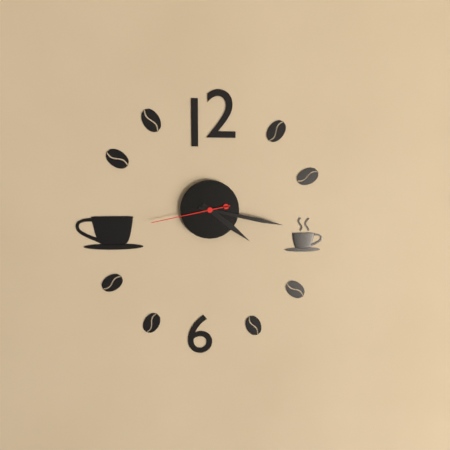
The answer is 4 h 17 min 43 s
